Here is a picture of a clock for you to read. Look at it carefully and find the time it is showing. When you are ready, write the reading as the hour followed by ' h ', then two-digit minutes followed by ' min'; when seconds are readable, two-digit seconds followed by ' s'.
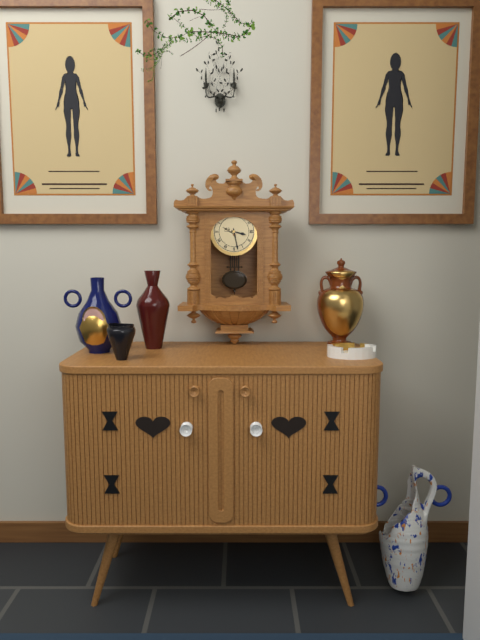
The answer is 3 h 28 min
